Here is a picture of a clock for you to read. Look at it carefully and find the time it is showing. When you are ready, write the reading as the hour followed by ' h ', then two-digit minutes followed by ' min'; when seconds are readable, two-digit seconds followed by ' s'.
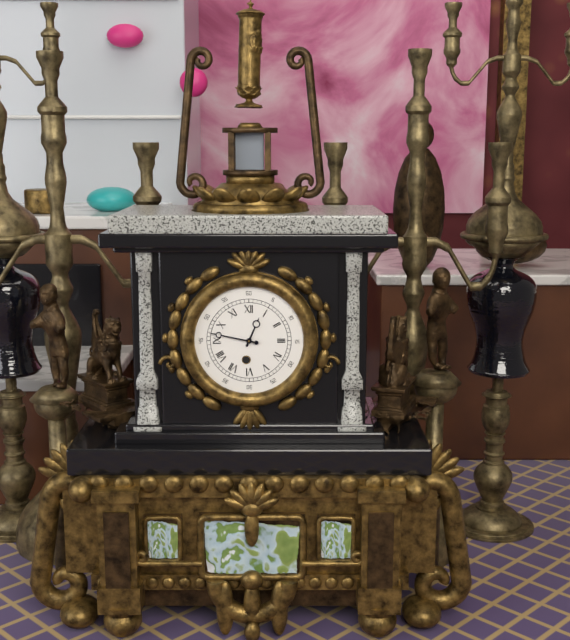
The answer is 12 h 47 min
